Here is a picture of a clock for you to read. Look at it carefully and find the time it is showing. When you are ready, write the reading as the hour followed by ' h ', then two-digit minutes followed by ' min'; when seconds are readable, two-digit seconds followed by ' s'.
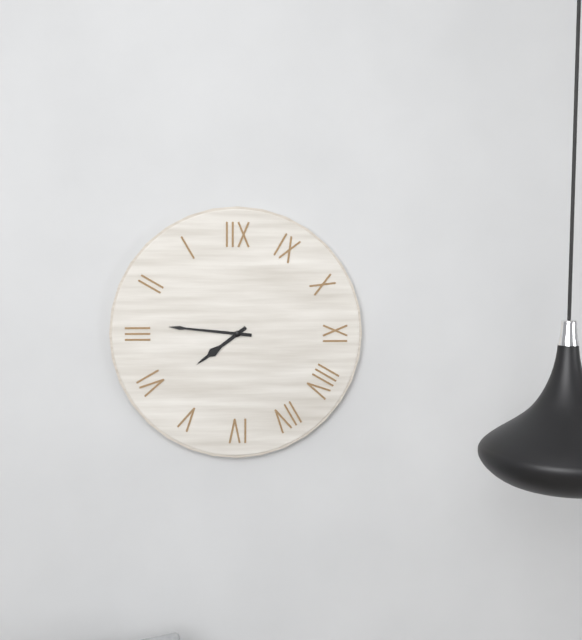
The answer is 7 h 46 min
